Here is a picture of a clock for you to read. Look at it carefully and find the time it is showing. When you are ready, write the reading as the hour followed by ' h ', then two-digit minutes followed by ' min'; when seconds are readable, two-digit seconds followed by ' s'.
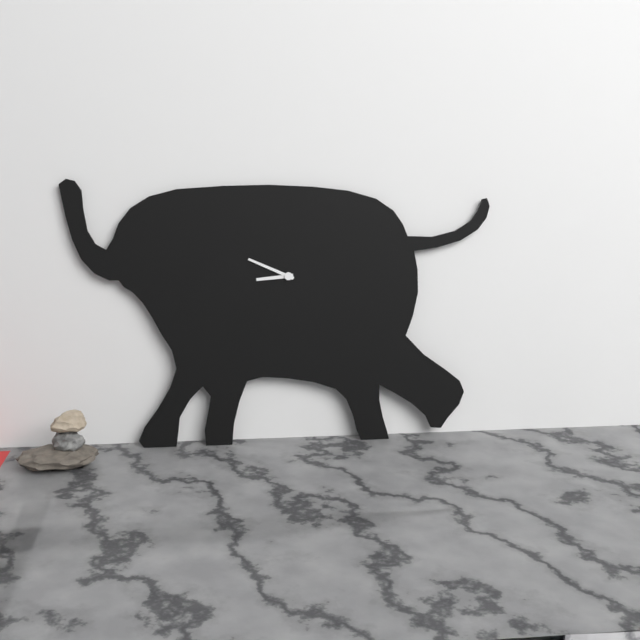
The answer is 8 h 49 min
